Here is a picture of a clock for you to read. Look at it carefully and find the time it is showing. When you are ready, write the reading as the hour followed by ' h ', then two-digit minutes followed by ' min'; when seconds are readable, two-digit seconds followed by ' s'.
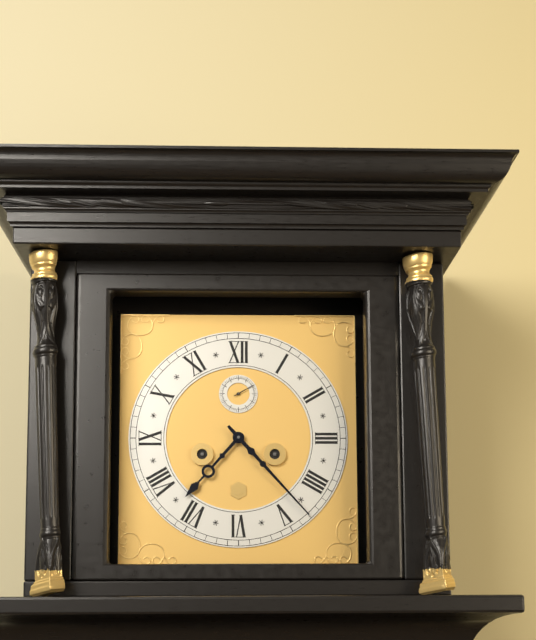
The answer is 7 h 23 min
